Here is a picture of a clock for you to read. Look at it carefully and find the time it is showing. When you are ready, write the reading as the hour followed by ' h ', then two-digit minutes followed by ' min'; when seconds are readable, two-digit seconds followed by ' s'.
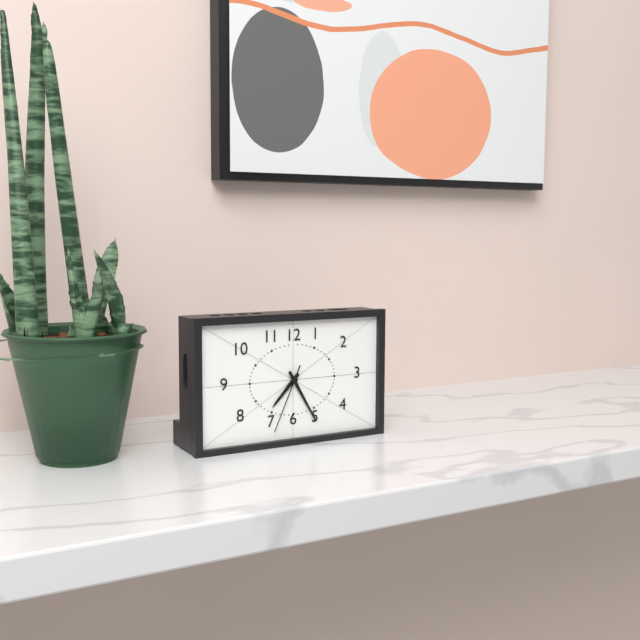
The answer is 7 h 25 min 34 s
